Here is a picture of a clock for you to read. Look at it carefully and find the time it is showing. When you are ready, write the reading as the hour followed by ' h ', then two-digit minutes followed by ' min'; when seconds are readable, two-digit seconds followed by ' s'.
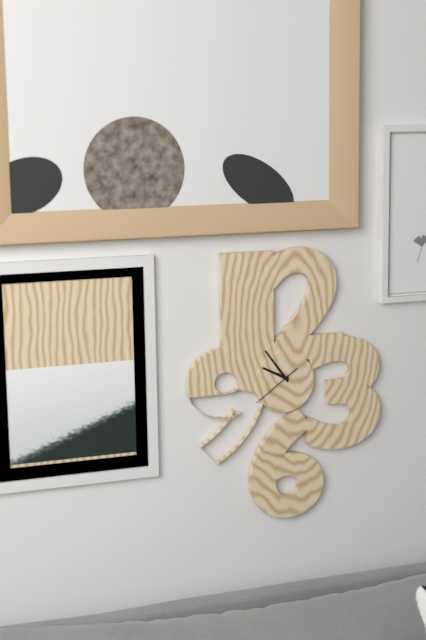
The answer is 9 h 54 min
